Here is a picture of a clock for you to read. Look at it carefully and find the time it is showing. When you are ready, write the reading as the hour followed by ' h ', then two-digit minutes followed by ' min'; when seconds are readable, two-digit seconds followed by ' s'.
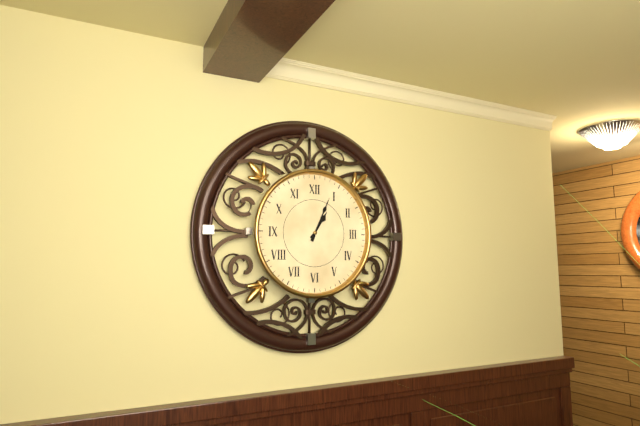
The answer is 1 h 04 min
